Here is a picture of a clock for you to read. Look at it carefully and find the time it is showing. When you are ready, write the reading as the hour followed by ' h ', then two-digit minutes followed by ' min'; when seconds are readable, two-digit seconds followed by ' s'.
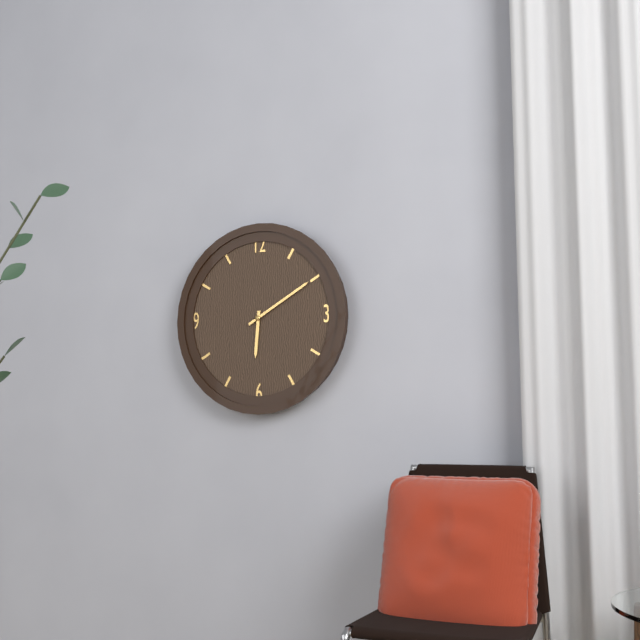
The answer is 6 h 10 min
